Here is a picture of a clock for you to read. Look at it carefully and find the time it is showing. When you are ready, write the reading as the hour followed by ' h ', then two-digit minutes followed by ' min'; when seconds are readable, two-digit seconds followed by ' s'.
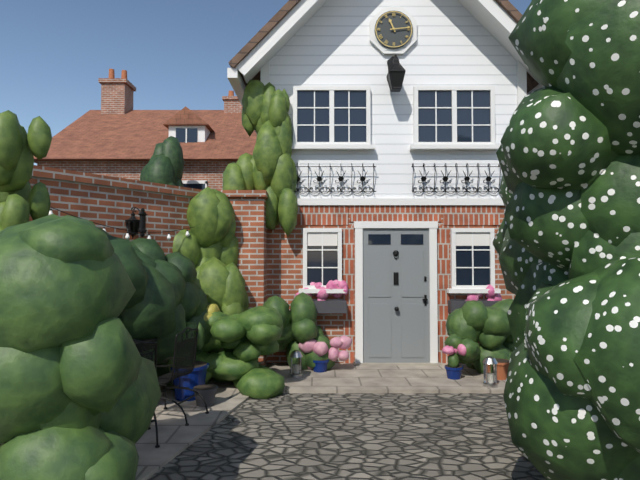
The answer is 11 h 14 min
